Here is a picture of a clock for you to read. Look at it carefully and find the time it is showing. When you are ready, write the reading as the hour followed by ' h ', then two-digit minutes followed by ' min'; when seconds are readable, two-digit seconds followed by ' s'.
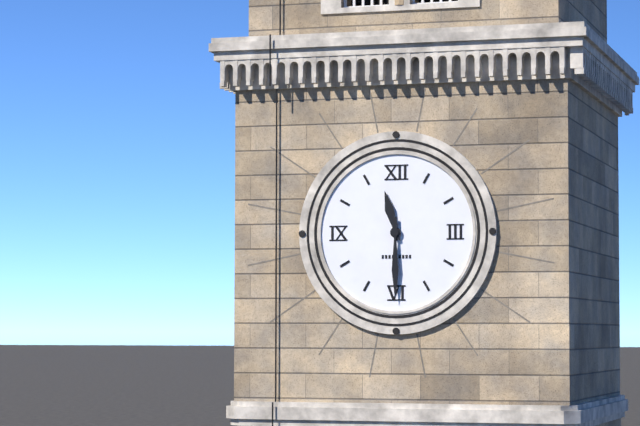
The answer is 11 h 30 min
